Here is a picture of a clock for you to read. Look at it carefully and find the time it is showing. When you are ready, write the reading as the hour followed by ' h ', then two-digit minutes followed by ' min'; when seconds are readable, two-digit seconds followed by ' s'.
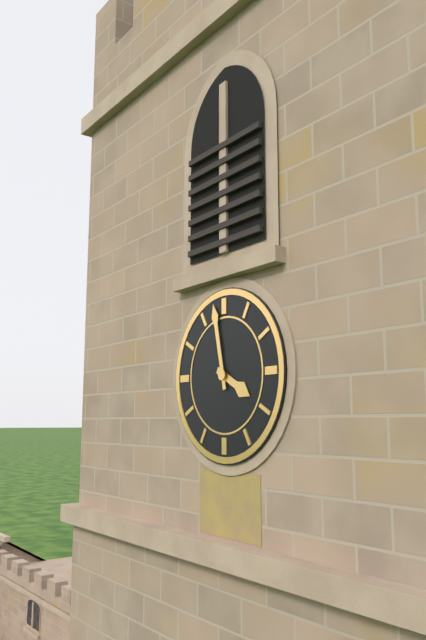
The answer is 3 h 58 min
